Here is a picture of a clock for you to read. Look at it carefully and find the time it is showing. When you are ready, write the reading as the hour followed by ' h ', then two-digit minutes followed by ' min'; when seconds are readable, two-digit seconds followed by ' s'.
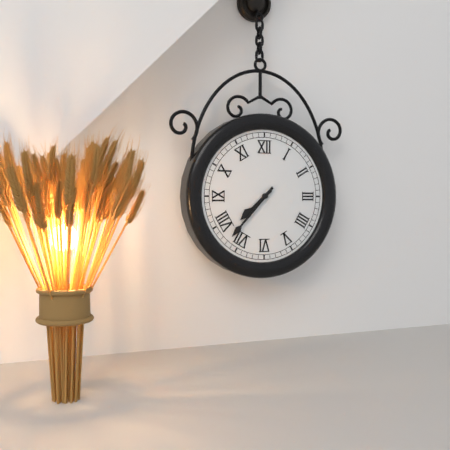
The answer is 7 h 37 min
